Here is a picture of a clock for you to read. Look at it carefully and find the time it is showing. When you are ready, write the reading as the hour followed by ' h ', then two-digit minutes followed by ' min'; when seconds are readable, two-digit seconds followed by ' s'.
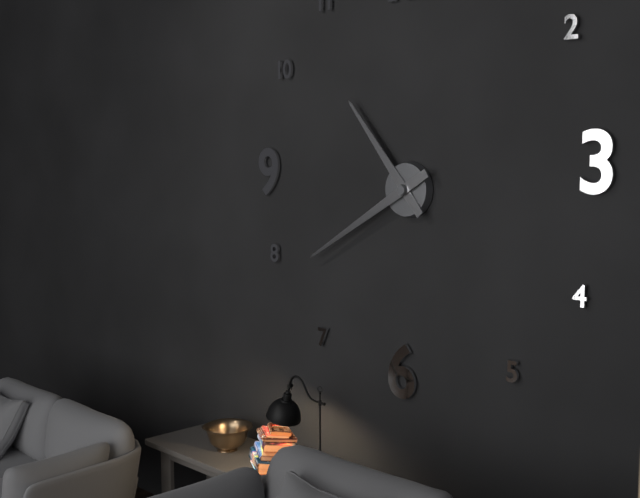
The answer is 10 h 40 min
